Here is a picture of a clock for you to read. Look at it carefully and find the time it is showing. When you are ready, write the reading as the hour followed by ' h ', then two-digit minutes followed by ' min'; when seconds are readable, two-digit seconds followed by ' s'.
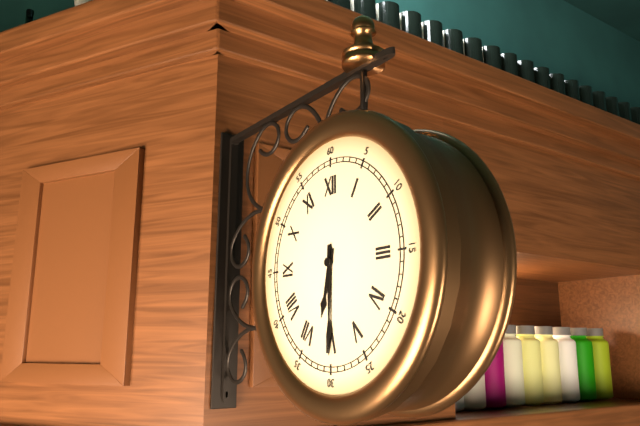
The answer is 6 h 30 min
